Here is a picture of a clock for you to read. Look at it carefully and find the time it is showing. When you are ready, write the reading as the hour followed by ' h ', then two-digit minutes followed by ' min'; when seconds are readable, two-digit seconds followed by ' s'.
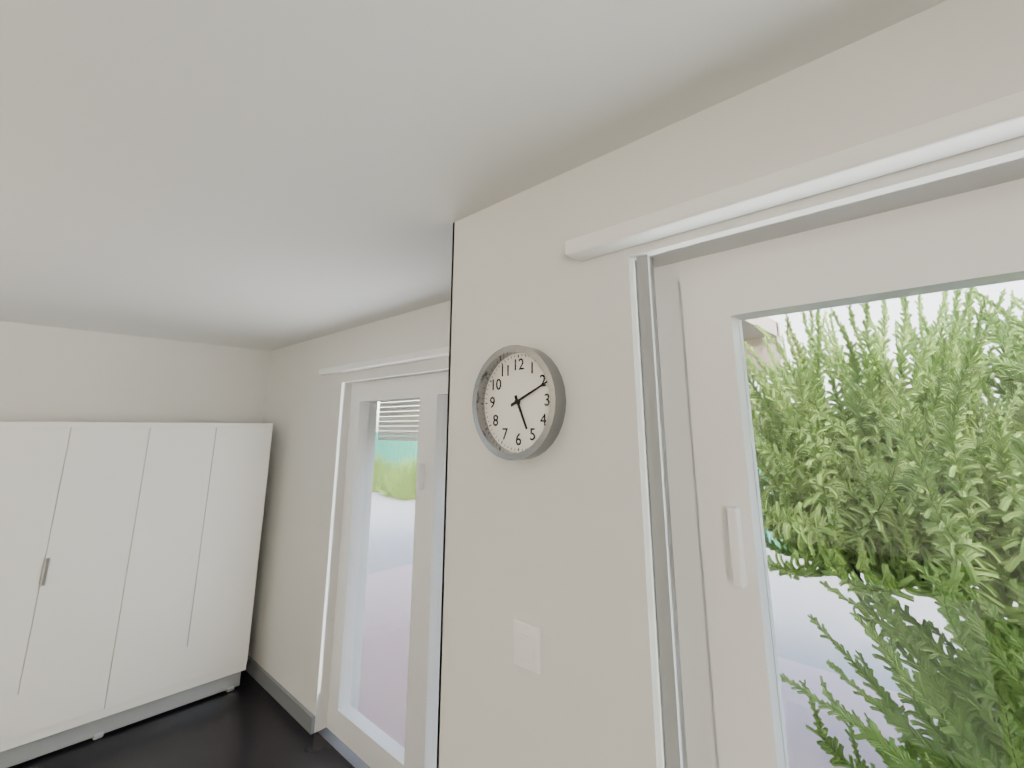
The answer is 5 h 11 min
